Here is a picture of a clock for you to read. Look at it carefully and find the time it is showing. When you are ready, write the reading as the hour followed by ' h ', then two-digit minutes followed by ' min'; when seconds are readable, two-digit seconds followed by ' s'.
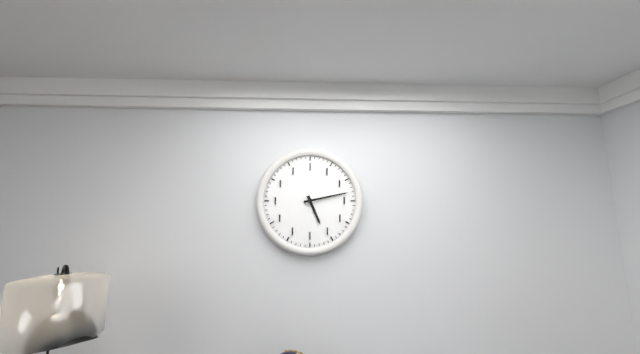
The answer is 5 h 13 min
